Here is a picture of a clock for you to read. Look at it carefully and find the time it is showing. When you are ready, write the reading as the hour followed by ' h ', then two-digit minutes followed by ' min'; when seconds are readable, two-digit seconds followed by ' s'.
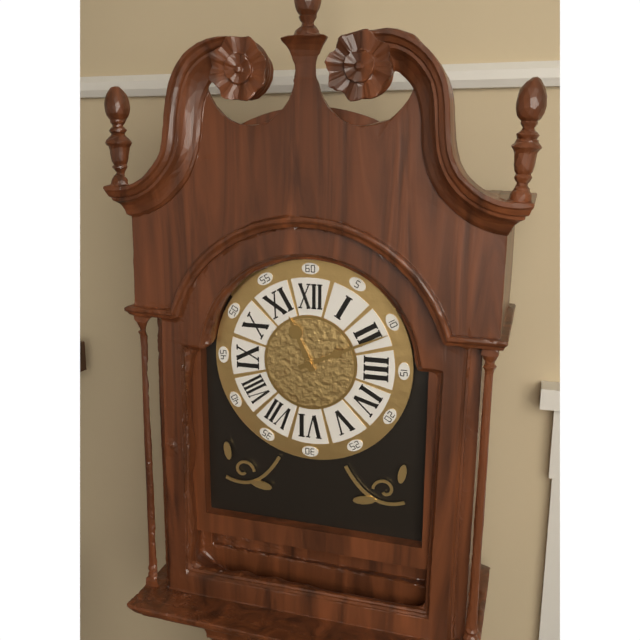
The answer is 11 h 11 min
